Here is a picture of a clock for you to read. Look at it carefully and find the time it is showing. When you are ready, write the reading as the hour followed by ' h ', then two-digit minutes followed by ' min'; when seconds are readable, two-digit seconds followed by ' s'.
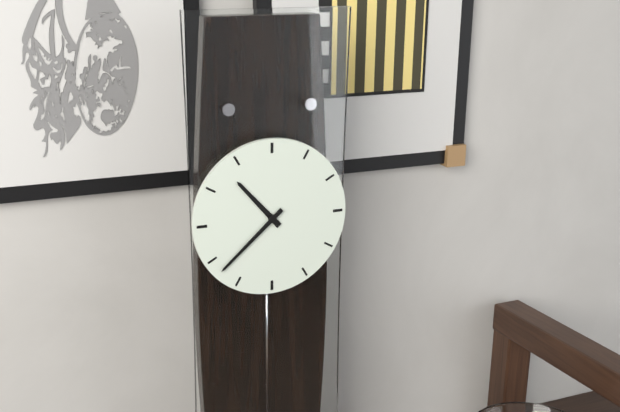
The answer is 10 h 38 min
